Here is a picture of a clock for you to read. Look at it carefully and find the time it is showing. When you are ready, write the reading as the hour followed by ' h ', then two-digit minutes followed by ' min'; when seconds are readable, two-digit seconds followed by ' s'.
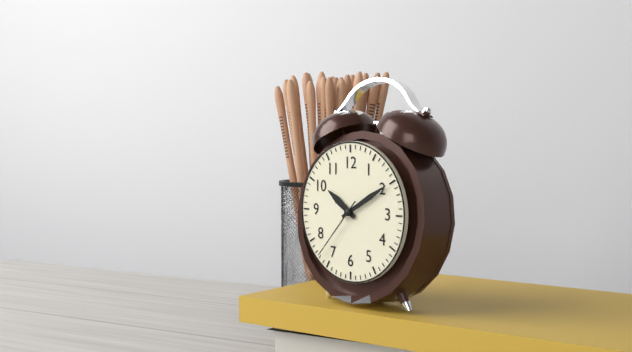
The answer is 10 h 10 min 37 s
